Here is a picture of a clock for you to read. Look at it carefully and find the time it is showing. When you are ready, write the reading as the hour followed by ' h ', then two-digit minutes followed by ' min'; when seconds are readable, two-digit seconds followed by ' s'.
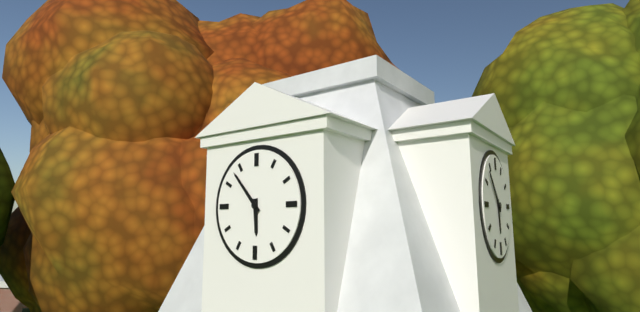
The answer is 5 h 53 min
